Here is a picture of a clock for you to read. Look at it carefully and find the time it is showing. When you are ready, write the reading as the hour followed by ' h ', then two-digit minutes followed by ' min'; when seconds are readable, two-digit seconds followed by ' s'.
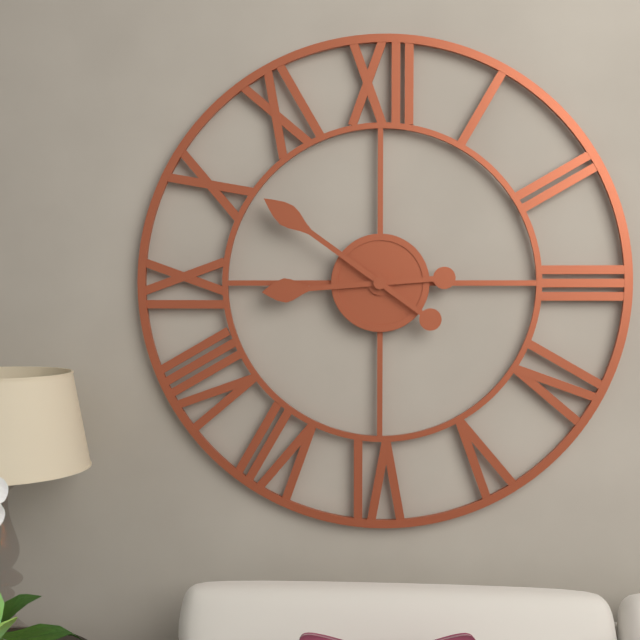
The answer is 8 h 51 min
